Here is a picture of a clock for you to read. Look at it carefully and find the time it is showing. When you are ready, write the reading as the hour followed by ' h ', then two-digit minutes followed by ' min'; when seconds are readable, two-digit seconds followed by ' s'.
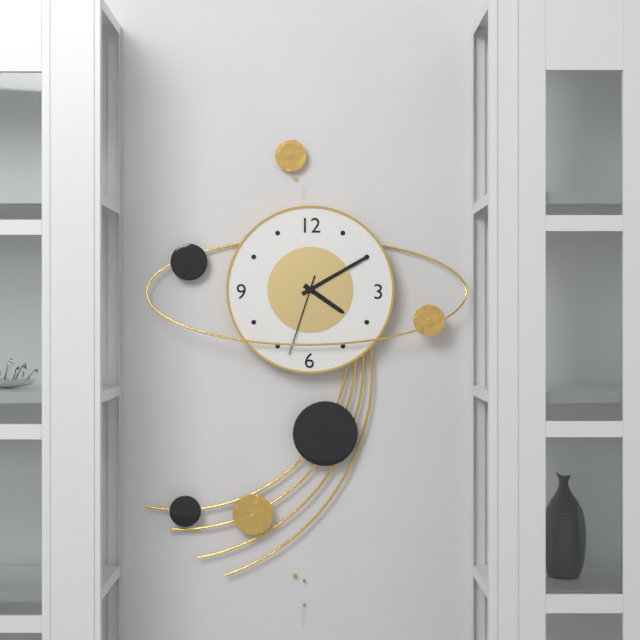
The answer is 4 h 10 min 33 s
